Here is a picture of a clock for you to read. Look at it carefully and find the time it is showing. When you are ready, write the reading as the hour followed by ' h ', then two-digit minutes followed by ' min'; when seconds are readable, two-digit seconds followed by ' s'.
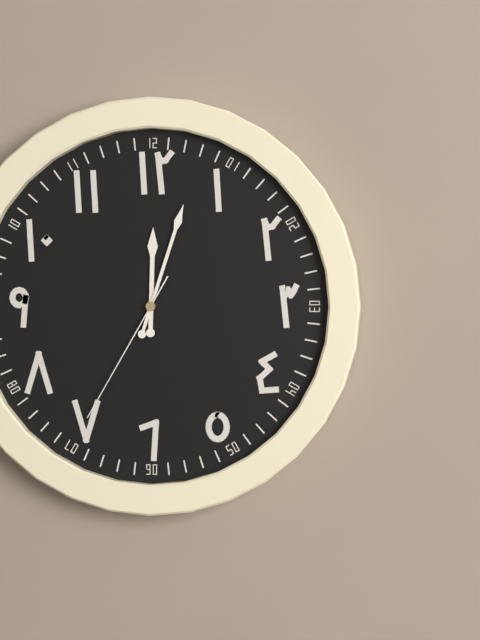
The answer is 12 h 03 min 35 s
